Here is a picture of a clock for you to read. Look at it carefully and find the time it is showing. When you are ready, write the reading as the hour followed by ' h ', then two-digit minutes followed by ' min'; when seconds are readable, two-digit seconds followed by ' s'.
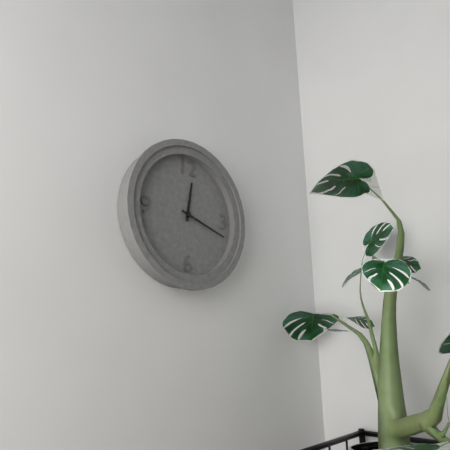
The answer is 12 h 18 min
